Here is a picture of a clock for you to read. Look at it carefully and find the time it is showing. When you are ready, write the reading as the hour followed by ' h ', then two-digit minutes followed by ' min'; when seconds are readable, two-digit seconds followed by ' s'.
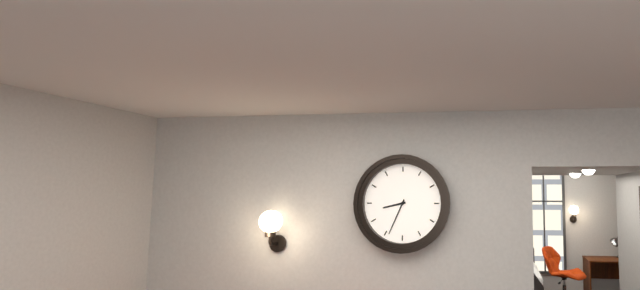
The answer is 8 h 34 min
